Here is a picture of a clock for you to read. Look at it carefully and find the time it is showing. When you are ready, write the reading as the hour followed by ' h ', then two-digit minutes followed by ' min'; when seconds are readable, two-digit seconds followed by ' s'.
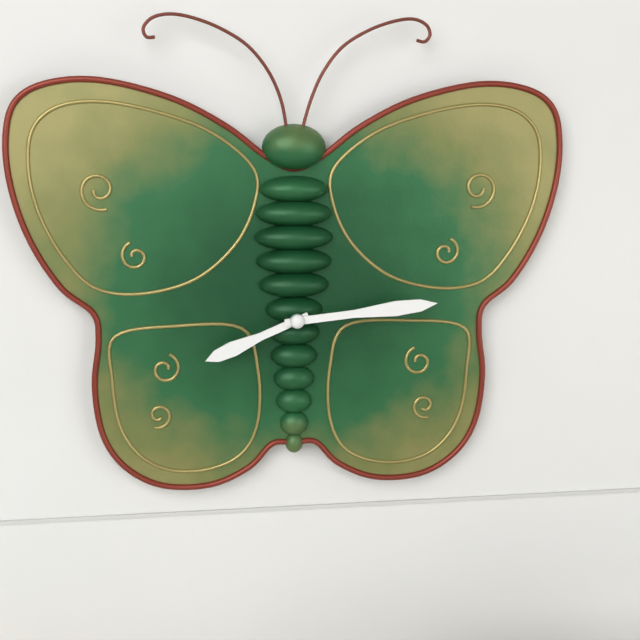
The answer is 8 h 14 min
